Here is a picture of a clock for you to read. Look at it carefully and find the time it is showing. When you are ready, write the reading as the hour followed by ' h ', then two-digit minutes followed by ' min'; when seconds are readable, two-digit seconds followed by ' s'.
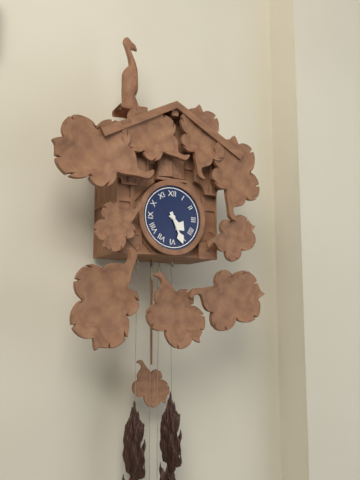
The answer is 4 h 26 min
